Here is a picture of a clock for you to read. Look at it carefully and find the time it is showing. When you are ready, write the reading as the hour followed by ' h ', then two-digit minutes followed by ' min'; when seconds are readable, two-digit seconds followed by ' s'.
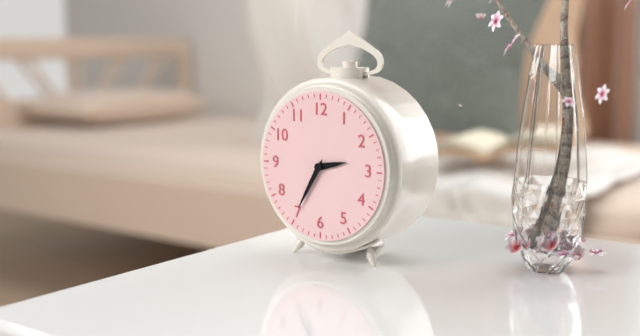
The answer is 2 h 35 min
